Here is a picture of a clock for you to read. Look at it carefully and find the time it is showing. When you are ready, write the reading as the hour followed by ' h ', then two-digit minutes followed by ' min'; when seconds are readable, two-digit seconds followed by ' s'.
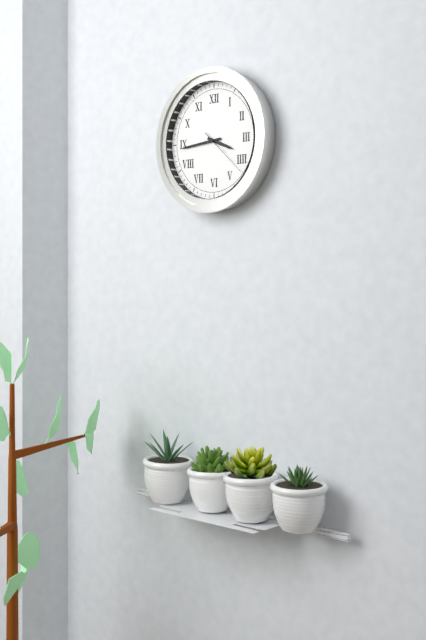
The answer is 3 h 44 min 22 s
